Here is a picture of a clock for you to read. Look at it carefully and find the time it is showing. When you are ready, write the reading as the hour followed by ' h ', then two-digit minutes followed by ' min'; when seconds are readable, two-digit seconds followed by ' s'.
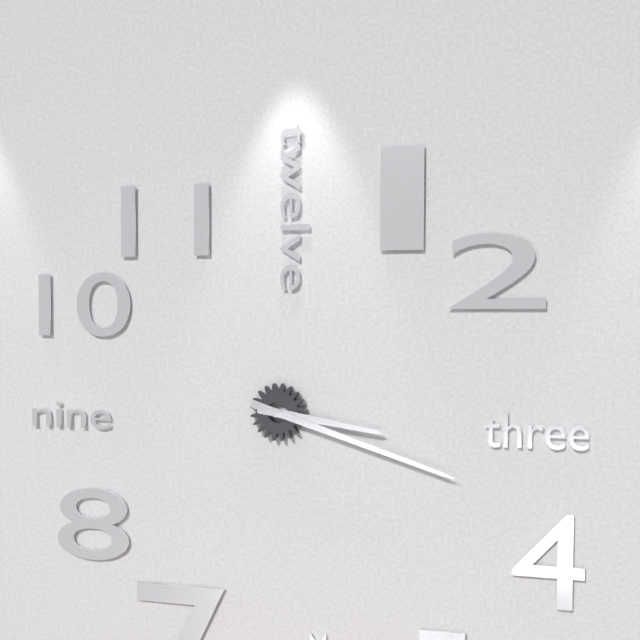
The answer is 3 h 18 min
